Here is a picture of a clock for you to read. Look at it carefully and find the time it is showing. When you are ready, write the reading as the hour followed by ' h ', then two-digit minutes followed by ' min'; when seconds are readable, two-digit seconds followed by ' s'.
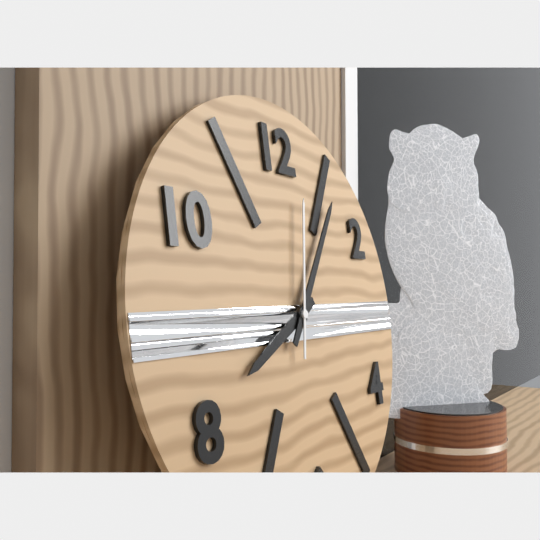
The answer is 8 h 06 min 02 s
